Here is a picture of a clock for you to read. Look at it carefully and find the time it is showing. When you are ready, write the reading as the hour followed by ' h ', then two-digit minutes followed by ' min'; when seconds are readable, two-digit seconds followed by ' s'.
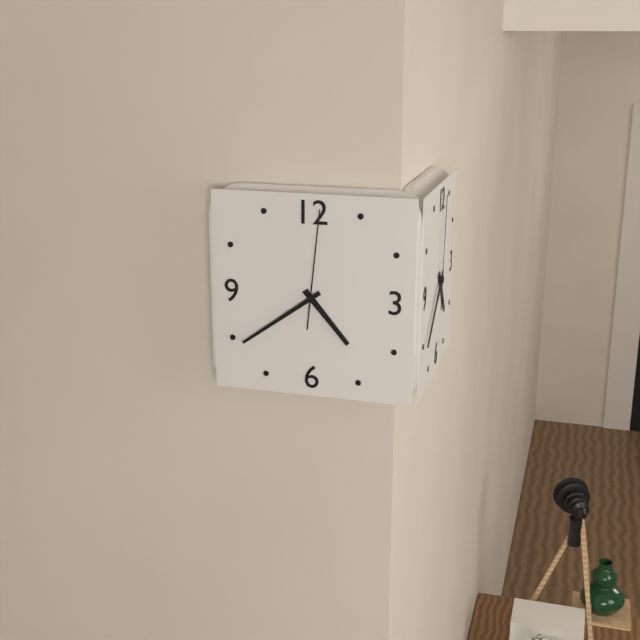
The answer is 4 h 39 min 01 s
